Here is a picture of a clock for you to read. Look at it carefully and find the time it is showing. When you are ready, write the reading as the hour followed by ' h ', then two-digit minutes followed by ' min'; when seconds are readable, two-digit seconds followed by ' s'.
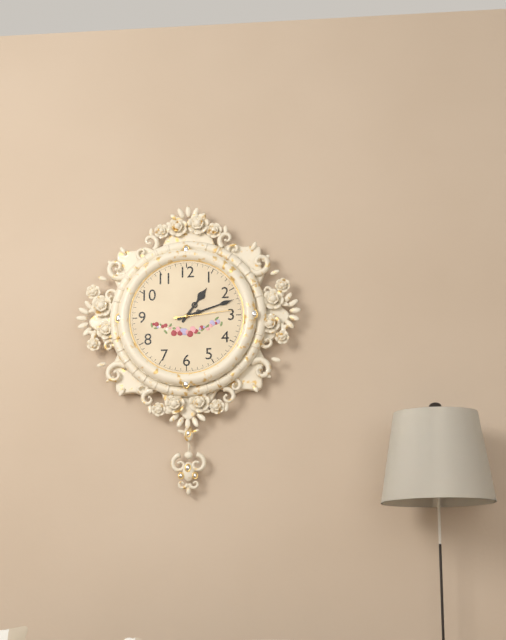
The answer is 1 h 12 min 14 s
